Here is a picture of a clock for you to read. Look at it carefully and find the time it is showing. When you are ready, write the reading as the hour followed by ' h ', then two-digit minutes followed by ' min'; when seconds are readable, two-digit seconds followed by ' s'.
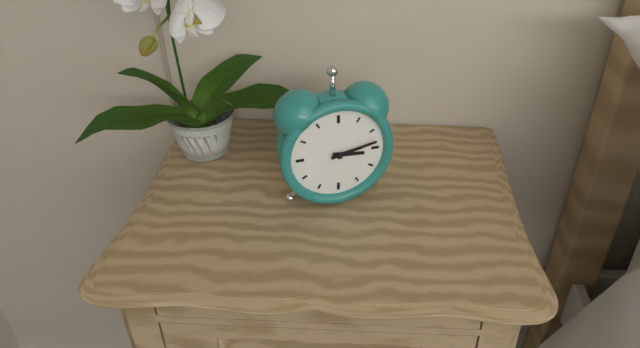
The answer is 3 h 13 min
